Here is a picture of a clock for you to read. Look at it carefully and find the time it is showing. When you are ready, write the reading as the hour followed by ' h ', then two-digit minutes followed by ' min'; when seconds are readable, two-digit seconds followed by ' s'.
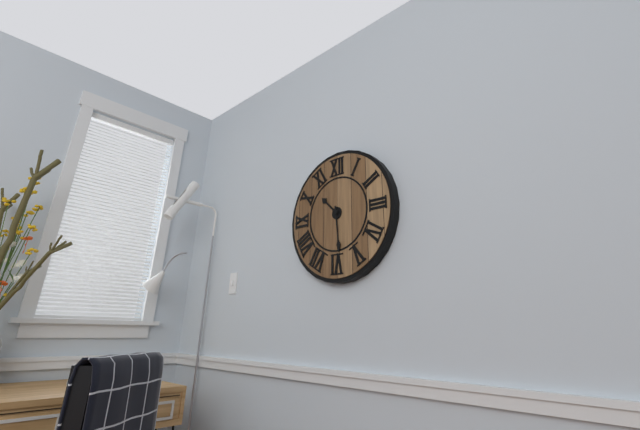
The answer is 10 h 29 min
